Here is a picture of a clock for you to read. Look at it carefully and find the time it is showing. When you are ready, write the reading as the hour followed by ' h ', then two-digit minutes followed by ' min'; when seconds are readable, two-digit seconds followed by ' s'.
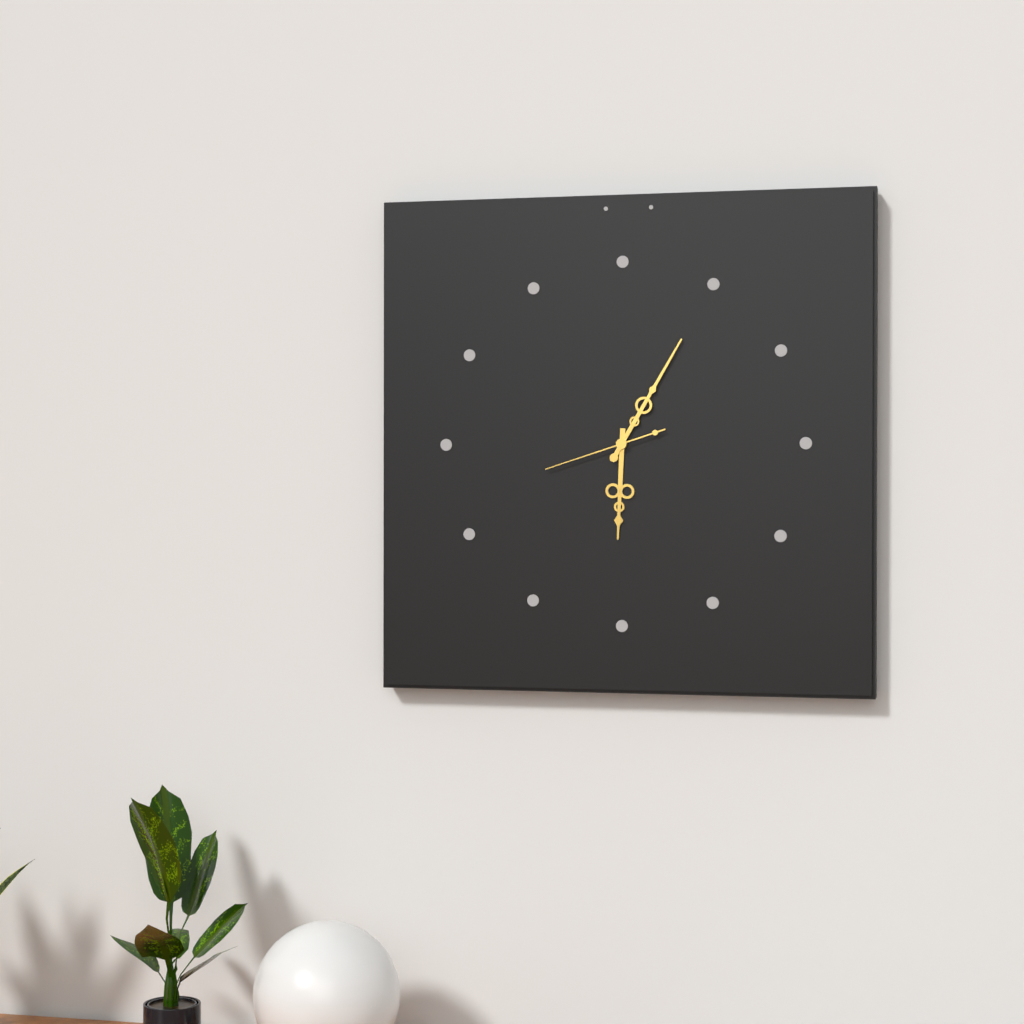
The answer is 6 h 05 min 42 s
